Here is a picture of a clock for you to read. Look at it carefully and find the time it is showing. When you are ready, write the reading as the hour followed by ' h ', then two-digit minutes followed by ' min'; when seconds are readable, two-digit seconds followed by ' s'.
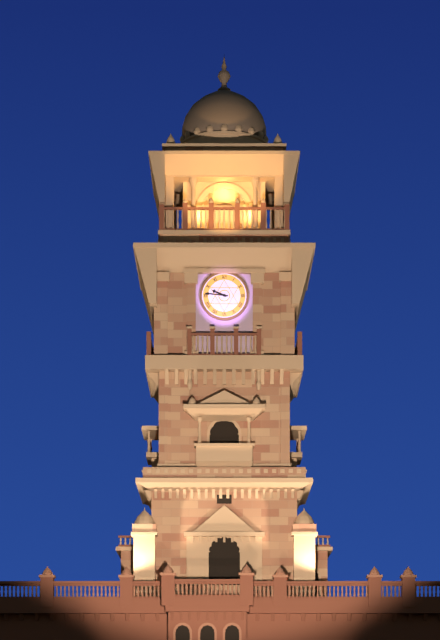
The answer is 9 h 46 min
